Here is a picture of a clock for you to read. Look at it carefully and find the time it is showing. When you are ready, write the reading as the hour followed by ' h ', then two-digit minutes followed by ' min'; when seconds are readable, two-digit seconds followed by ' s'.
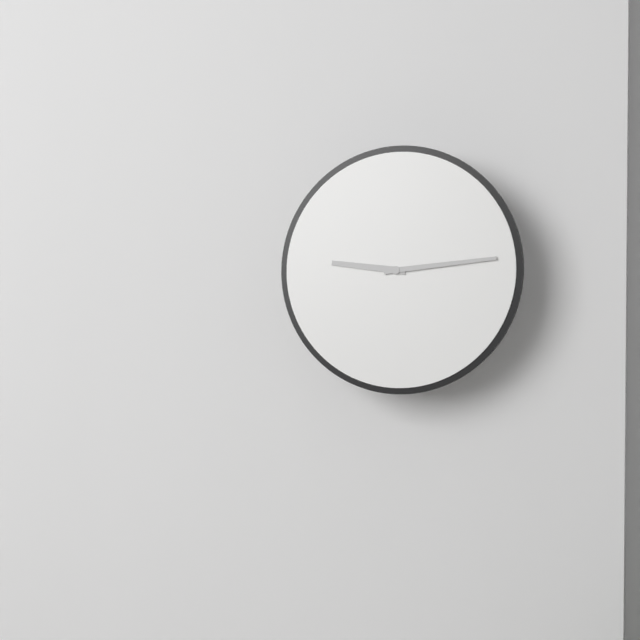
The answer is 9 h 14 min
